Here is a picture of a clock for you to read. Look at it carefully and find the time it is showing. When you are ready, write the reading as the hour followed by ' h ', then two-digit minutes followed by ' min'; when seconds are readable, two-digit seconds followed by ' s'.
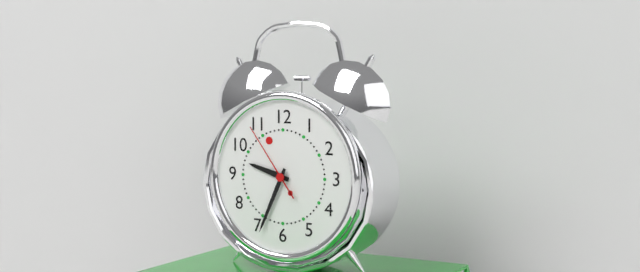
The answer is 9 h 34 min 54 s
